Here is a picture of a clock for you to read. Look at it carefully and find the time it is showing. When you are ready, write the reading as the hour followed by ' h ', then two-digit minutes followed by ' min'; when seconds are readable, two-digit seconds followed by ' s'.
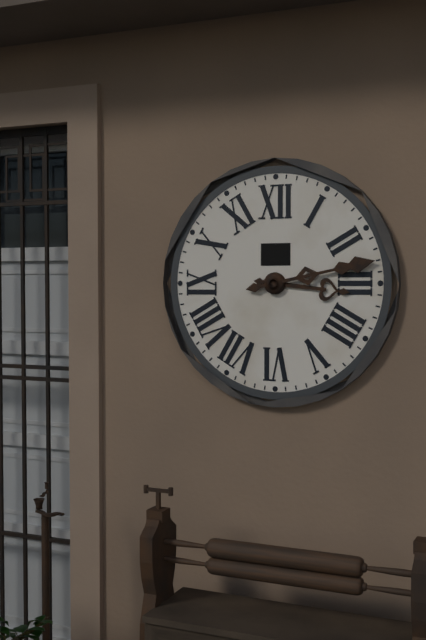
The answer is 3 h 13 min
